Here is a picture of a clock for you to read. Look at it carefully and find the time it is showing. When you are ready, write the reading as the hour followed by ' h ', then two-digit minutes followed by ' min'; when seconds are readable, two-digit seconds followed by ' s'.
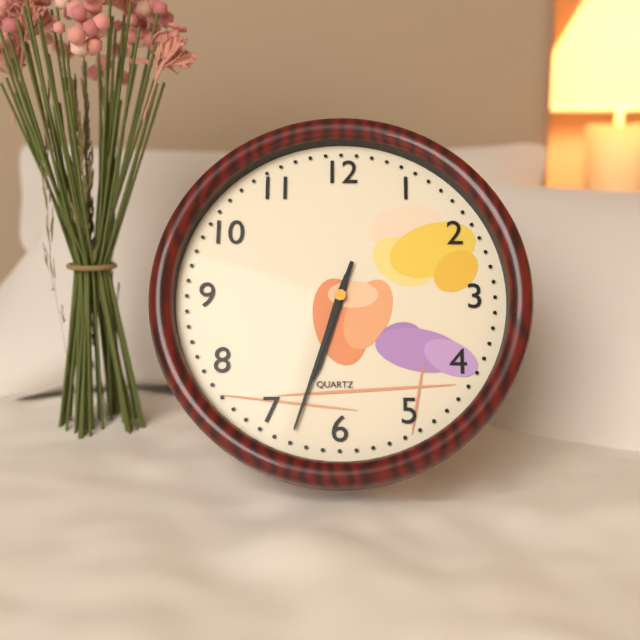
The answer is 6 h 33 min
